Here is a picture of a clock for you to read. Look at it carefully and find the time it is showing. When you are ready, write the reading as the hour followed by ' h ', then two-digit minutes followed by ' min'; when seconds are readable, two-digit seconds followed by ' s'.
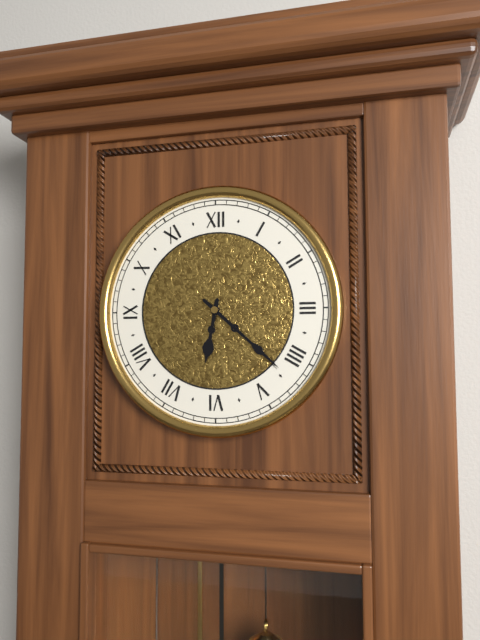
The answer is 6 h 22 min
